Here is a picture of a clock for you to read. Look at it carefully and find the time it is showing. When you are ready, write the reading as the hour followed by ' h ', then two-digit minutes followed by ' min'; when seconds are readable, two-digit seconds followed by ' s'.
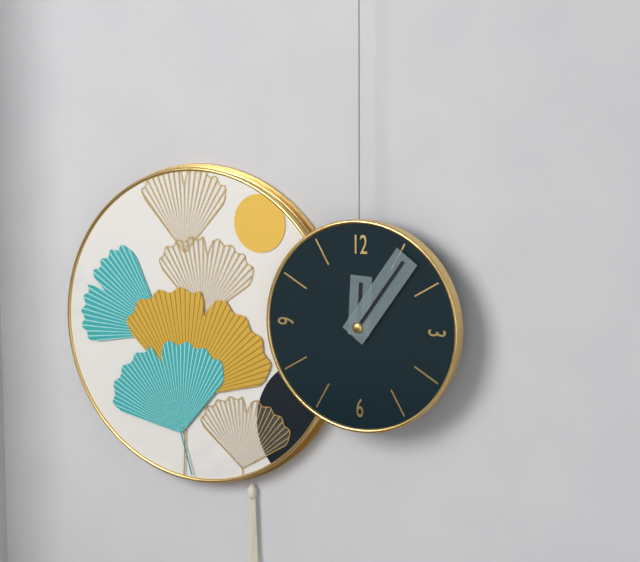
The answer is 12 h 06 min
